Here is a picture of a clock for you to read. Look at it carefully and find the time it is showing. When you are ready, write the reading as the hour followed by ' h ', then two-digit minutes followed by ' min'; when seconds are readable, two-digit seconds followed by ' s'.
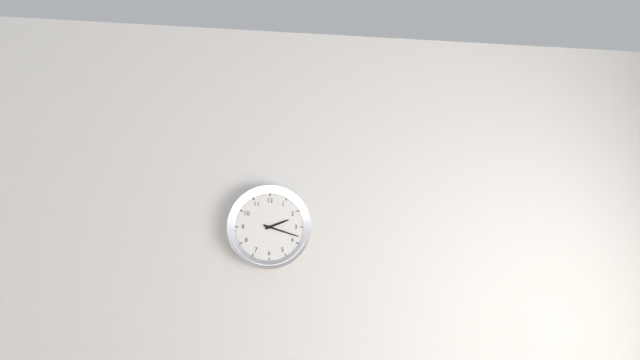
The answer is 2 h 18 min
